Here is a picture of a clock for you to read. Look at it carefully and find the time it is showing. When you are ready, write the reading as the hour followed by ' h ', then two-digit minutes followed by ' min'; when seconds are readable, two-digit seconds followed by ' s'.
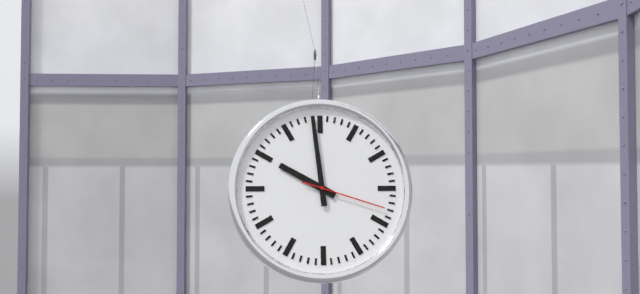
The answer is 9 h 59 min 18 s
